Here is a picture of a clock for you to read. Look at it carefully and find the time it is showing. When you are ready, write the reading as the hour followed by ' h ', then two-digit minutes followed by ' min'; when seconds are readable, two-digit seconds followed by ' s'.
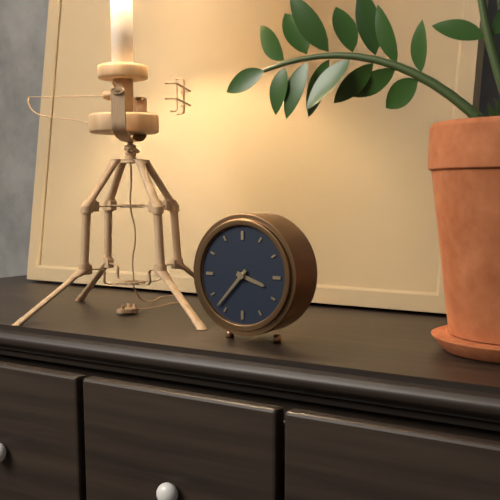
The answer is 3 h 37 min
